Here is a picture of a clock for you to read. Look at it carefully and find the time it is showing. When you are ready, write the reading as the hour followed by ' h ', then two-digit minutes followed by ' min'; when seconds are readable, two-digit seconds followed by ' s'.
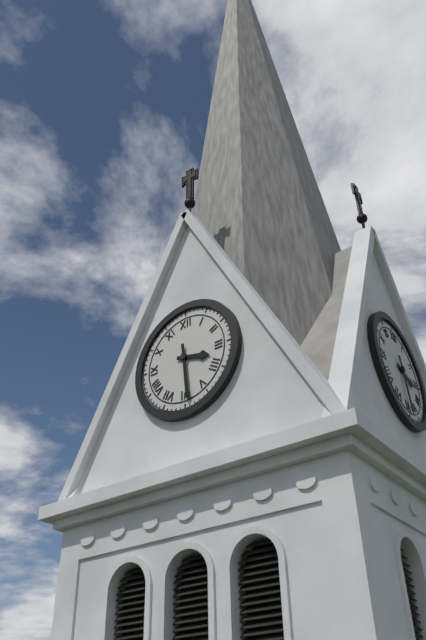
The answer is 3 h 29 min
